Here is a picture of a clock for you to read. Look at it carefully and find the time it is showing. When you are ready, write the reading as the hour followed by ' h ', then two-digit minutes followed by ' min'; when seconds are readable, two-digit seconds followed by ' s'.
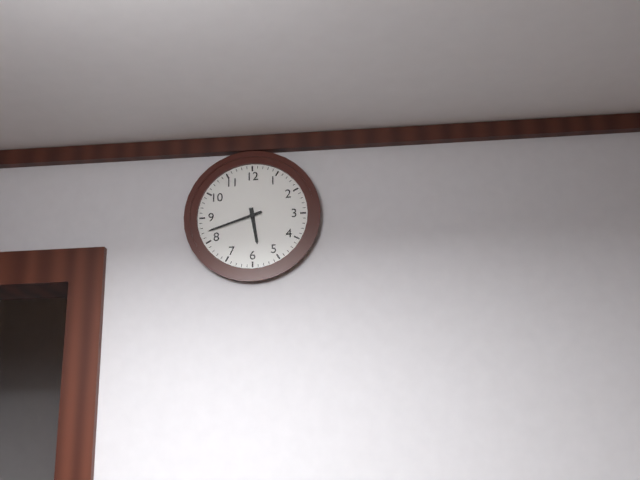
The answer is 5 h 42 min
